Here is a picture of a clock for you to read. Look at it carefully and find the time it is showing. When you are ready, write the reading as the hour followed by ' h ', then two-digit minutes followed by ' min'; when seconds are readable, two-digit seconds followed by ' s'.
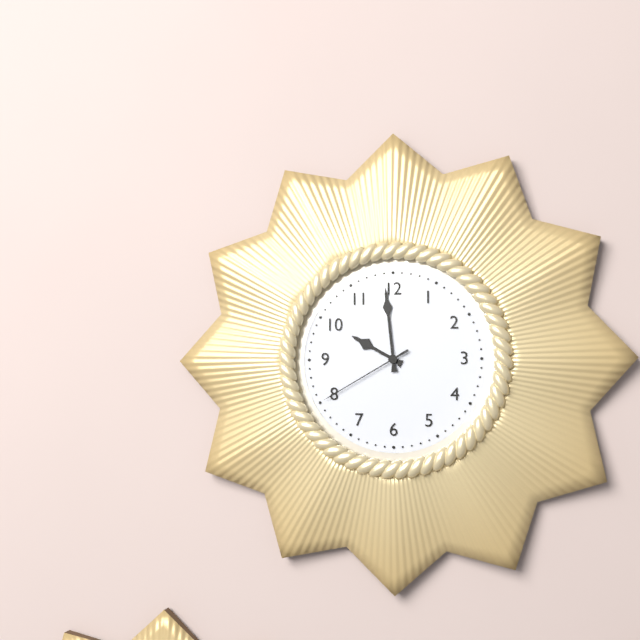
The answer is 9 h 59 min 40 s
